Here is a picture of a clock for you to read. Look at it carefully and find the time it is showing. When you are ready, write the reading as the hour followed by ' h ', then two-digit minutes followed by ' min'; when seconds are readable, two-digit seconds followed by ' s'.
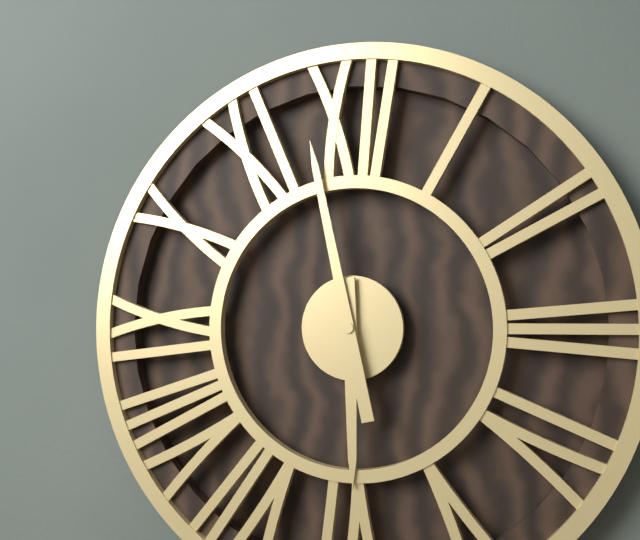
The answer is 5 h 58 min
